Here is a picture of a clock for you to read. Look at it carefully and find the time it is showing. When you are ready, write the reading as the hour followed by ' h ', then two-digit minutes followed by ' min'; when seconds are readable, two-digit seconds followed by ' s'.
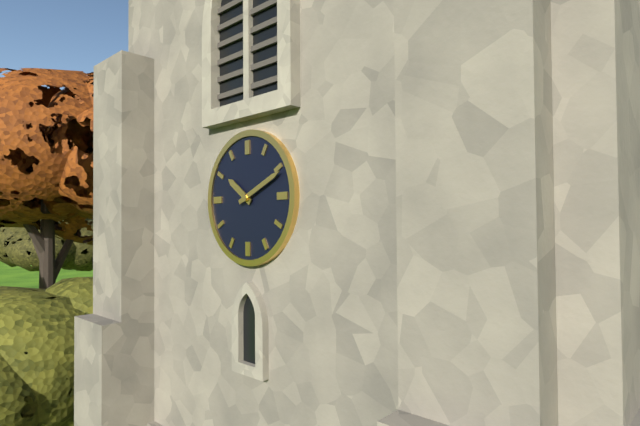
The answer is 10 h 11 min
